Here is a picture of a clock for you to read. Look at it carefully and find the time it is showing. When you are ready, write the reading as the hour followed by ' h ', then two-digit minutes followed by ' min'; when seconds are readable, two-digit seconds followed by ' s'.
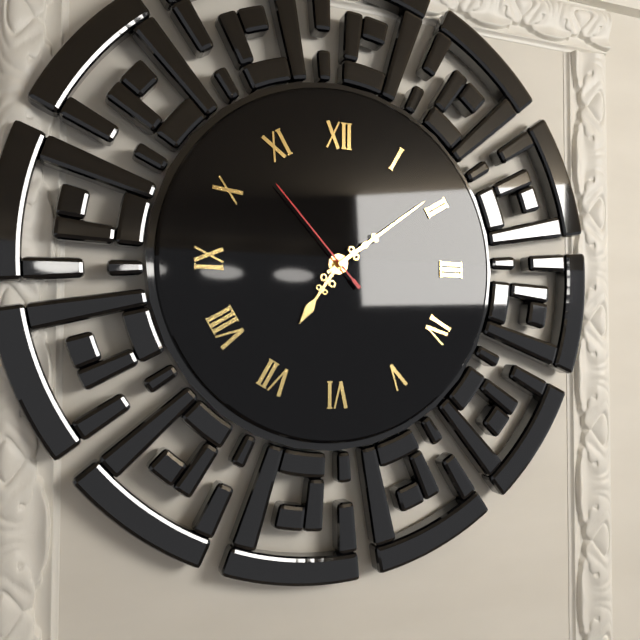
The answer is 7 h 09 min 53 s
